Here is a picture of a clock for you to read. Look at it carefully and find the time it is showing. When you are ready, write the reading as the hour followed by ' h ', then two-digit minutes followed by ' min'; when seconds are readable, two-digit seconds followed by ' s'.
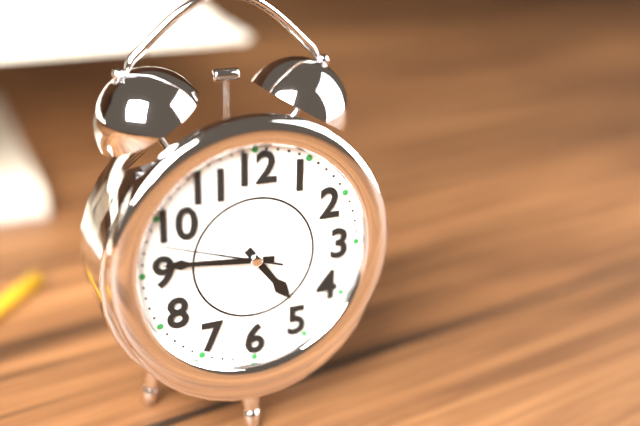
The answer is 4 h 46 min 48 s
